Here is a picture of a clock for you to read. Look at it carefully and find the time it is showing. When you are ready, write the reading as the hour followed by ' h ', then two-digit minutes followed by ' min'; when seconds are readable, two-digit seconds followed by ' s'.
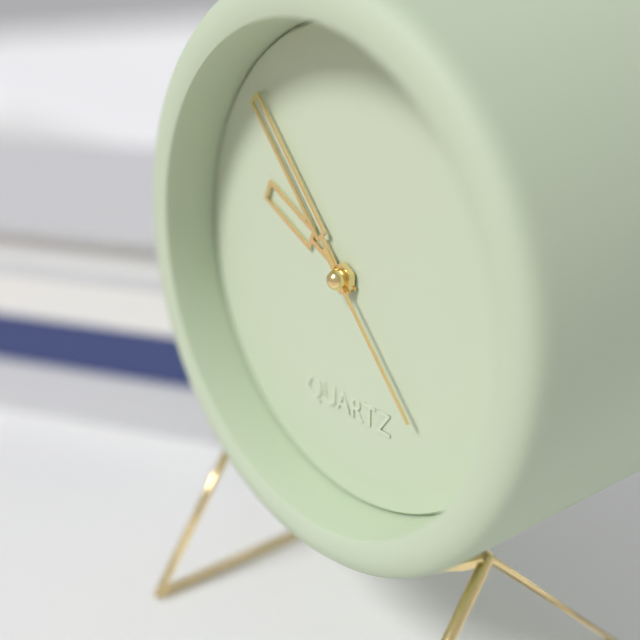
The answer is 9 h 53 min 23 s
